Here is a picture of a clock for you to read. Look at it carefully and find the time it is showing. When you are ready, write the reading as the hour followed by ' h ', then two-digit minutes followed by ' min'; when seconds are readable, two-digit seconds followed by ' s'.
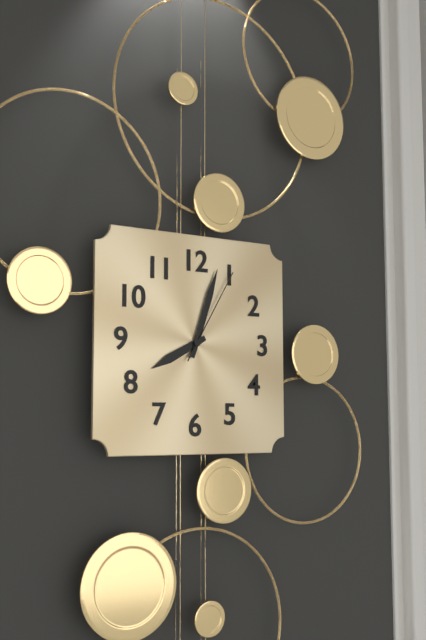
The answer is 8 h 03 min 05 s
